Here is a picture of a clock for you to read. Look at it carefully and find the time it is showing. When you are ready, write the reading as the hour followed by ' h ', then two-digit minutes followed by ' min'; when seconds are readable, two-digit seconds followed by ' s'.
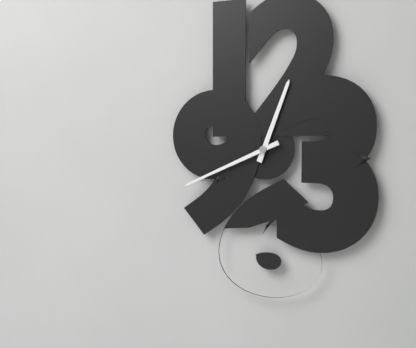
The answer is 12 h 41 min
